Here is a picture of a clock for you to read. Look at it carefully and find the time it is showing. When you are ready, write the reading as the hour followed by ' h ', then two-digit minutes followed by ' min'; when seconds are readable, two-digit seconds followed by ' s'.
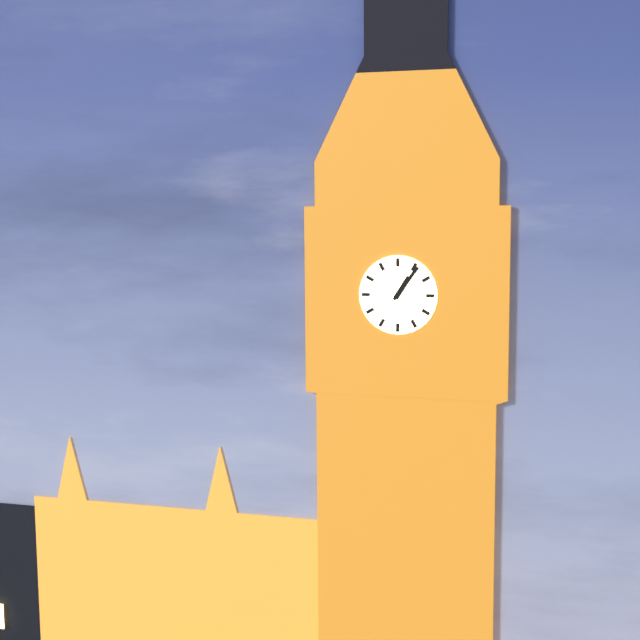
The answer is 1 h 06 min
